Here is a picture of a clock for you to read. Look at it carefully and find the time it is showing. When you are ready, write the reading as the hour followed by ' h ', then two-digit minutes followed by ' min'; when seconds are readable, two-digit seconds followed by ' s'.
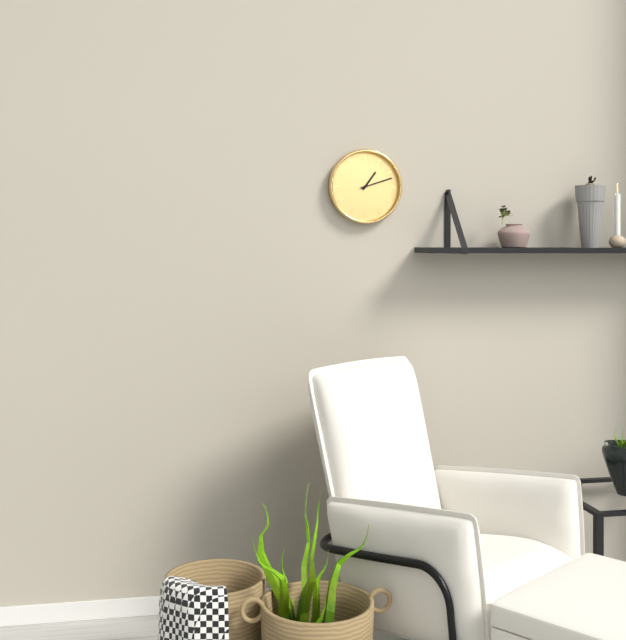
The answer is 1 h 12 min
